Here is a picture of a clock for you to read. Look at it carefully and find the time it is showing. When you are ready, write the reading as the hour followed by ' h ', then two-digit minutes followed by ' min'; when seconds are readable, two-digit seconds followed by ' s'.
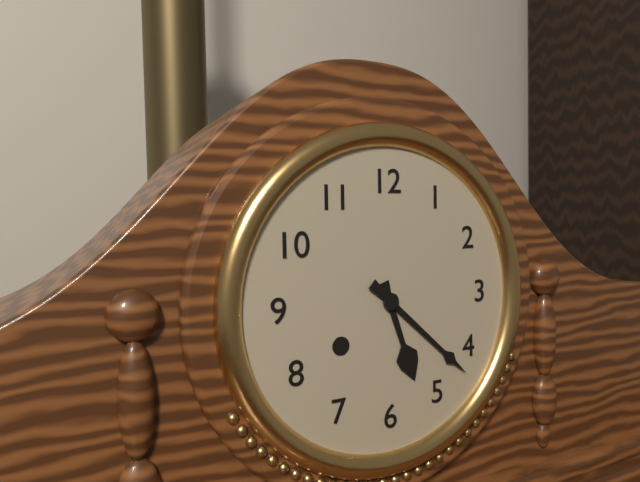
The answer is 5 h 22 min
